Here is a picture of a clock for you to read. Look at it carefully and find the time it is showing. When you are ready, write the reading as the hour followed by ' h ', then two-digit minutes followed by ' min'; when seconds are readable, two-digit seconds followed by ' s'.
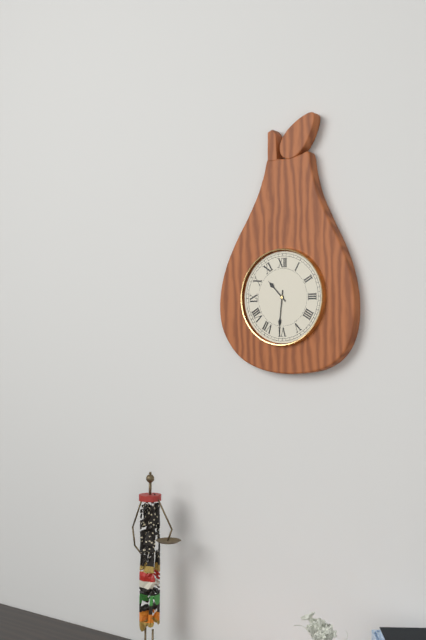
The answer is 10 h 31 min
